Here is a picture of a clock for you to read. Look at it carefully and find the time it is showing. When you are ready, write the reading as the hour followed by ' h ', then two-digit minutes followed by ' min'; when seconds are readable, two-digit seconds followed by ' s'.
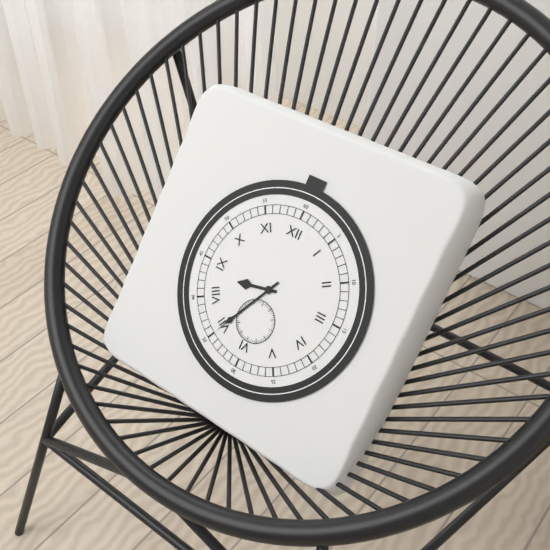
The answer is 8 h 35 min
